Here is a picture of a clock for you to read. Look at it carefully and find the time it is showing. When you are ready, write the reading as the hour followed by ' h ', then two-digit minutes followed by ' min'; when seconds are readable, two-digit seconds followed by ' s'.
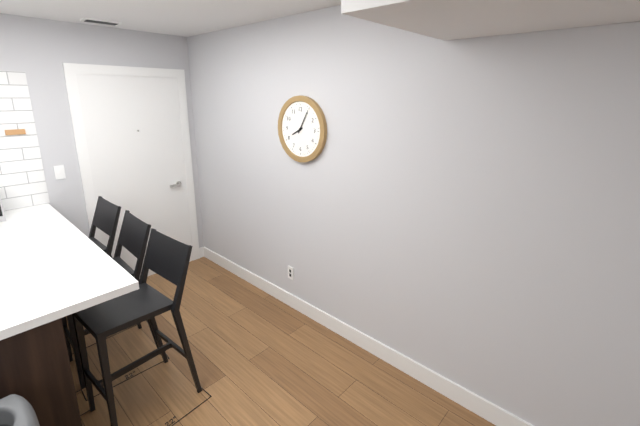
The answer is 8 h 05 min
